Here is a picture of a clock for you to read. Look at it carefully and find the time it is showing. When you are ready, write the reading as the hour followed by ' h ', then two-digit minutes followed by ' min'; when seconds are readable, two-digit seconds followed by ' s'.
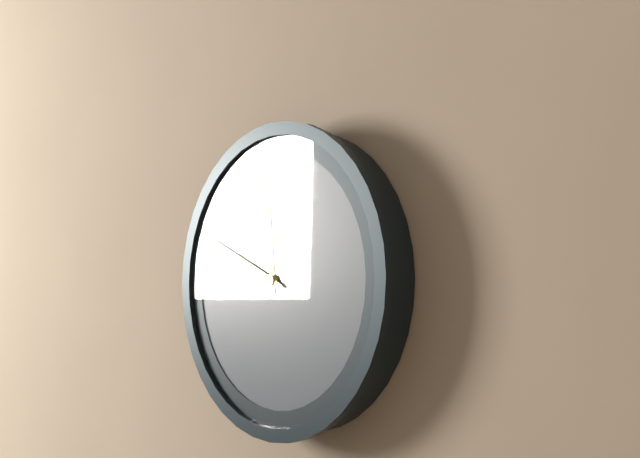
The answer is 11 h 49 min
